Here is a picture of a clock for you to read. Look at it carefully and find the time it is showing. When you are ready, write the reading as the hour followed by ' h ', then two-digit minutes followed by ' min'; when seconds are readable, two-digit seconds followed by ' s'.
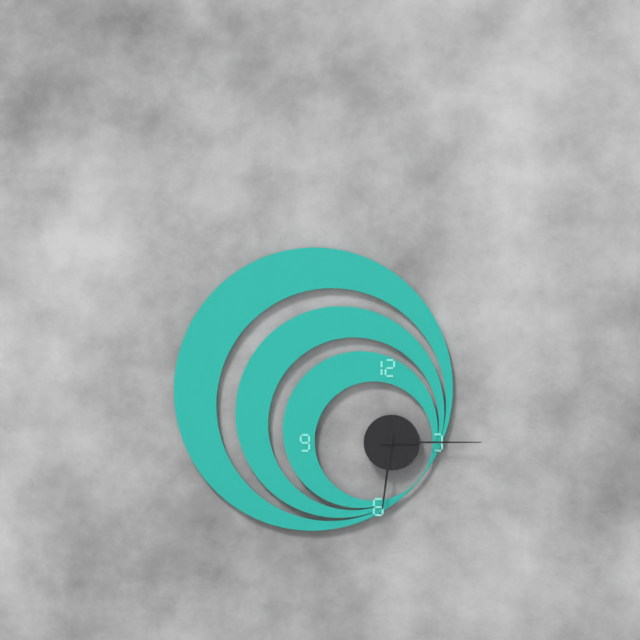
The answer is 6 h 15 min
